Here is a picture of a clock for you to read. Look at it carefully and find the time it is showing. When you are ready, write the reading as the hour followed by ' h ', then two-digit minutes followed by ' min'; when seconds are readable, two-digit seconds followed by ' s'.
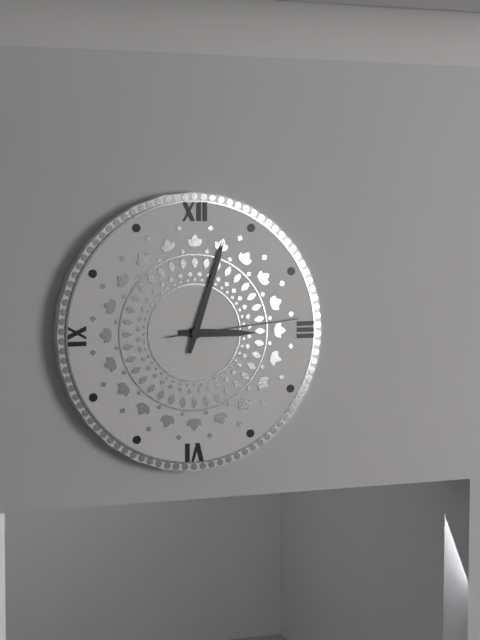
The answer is 3 h 03 min 14 s
